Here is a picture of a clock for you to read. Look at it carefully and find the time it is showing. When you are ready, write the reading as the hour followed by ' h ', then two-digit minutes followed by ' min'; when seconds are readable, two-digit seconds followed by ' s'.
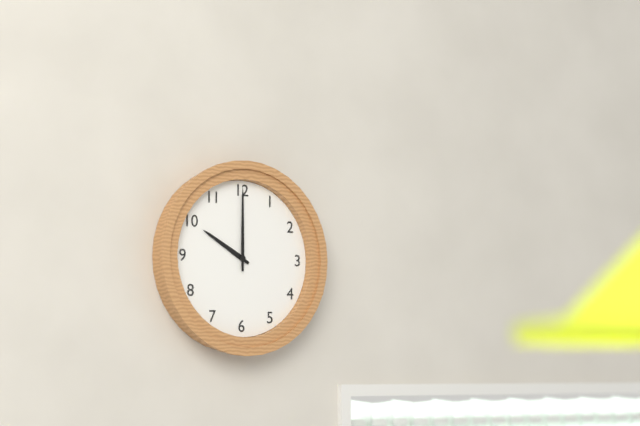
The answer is 10 h 00 min
